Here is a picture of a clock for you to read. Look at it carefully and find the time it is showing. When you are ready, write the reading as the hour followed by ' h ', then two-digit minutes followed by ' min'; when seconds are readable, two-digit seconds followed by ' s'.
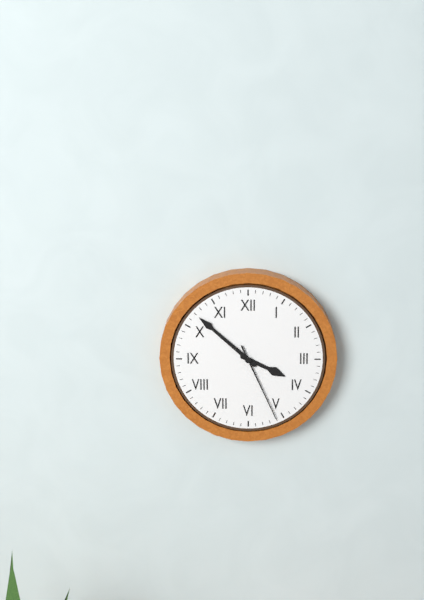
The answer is 3 h 52 min 26 s
